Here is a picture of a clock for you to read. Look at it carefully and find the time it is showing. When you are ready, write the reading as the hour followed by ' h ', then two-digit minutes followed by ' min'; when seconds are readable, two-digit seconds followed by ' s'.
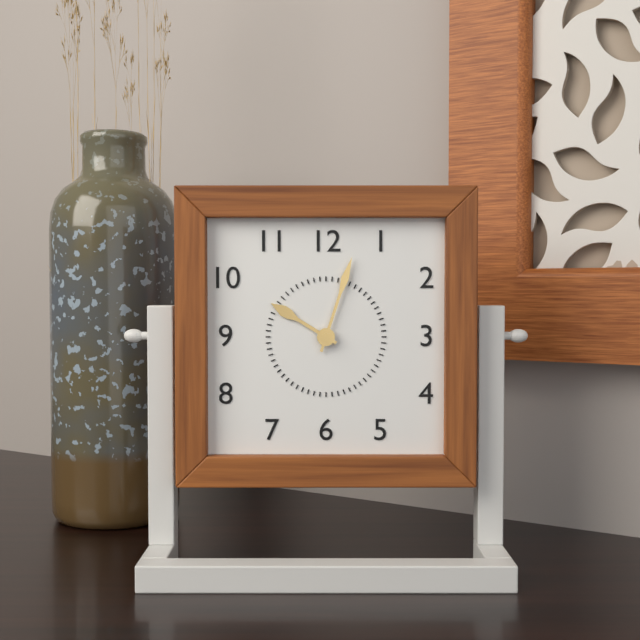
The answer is 10 h 03 min
